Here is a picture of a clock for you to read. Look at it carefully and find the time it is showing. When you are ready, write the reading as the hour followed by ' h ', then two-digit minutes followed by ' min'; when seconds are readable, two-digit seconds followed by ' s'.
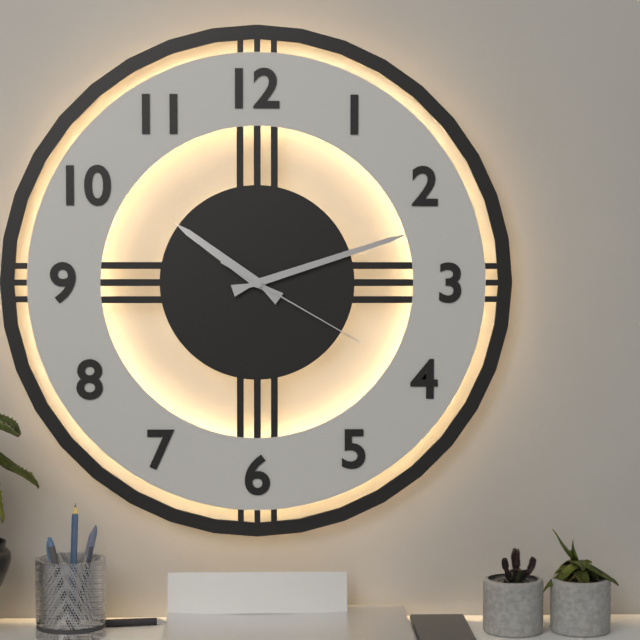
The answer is 10 h 12 min 20 s
